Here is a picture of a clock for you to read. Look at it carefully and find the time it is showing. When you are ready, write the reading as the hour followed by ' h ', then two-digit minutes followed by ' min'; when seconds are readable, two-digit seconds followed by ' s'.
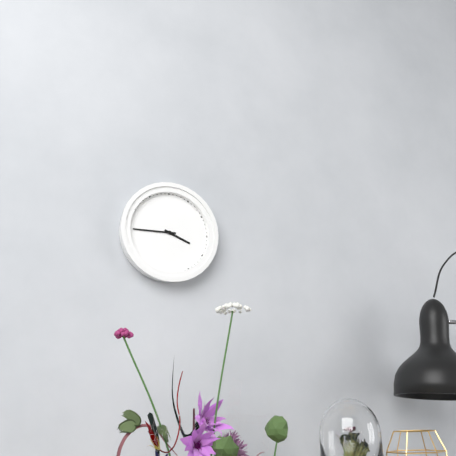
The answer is 3 h 45 min
